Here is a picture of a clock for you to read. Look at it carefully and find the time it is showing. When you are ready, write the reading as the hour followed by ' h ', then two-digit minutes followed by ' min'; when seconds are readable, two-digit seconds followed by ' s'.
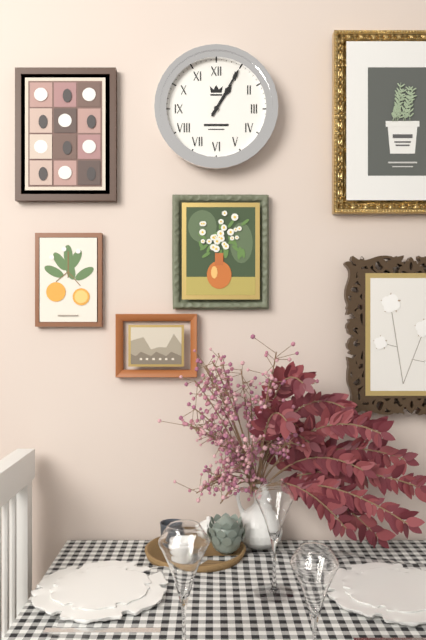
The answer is 1 h 05 min
